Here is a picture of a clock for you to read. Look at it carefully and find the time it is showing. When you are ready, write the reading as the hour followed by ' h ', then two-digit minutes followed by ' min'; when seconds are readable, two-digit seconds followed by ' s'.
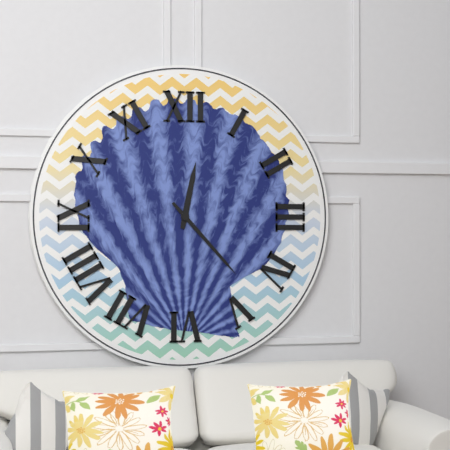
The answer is 12 h 23 min
